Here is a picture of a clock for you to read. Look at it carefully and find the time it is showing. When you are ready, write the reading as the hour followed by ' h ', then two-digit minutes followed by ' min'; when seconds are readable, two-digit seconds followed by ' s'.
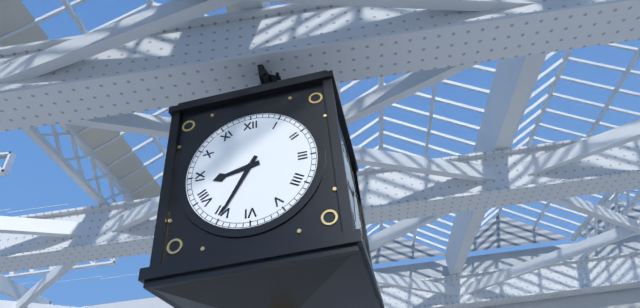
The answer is 8 h 35 min
